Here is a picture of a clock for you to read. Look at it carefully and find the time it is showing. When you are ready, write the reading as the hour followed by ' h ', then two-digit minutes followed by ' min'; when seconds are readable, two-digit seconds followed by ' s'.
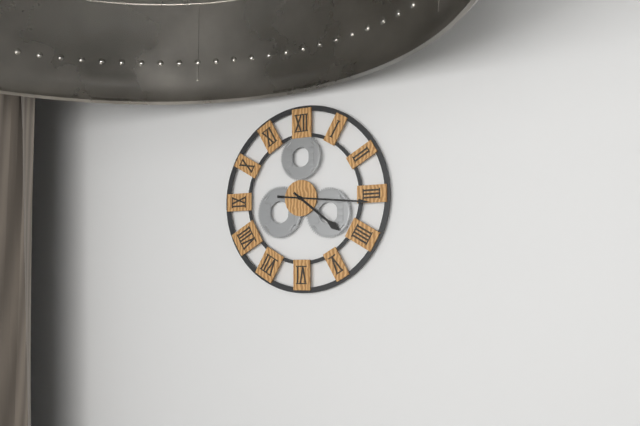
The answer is 4 h 16 min
